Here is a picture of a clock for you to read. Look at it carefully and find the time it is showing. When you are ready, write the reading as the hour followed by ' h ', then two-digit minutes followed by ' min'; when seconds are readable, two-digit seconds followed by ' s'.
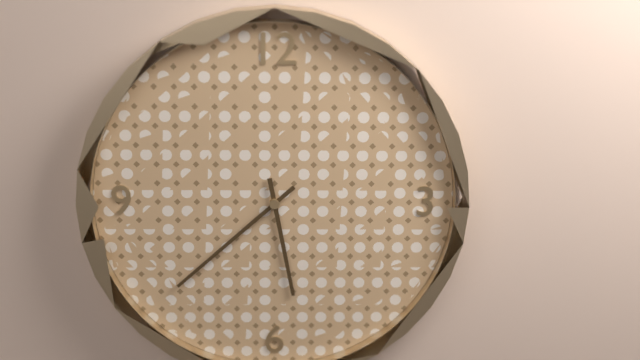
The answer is 5 h 38 min
